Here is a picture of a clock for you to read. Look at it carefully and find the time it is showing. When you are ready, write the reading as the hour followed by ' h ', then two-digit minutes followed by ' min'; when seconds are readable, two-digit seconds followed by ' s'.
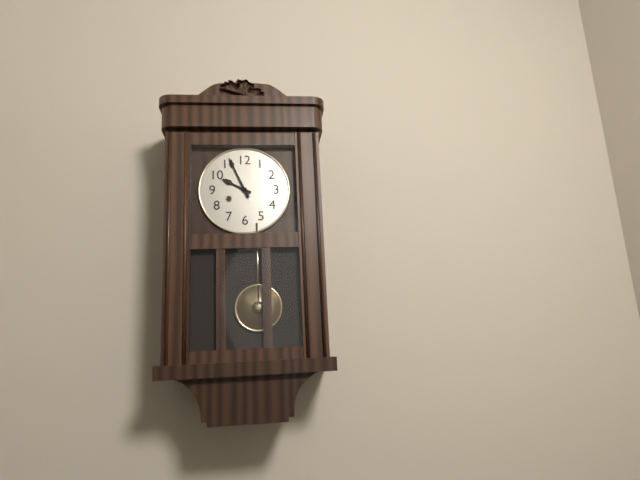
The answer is 9 h 56 min
